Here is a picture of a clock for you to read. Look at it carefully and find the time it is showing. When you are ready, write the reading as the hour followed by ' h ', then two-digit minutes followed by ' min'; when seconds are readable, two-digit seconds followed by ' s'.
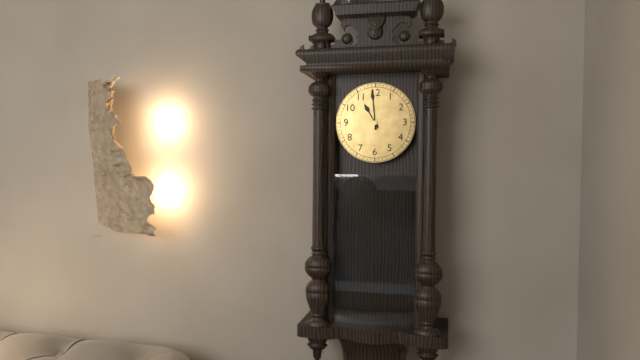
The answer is 10 h 59 min
